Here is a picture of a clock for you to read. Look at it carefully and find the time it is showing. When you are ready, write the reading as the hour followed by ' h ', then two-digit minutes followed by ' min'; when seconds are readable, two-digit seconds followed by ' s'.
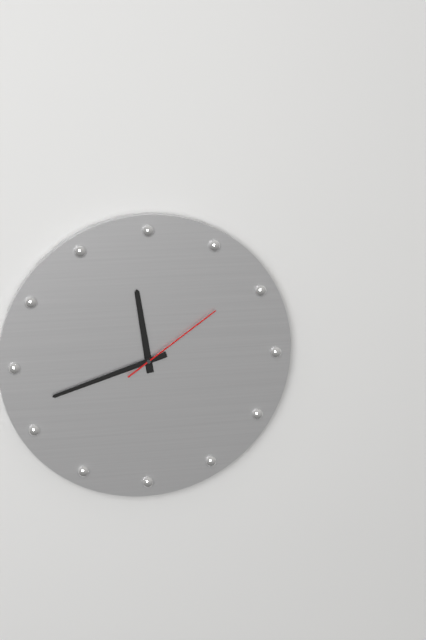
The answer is 11 h 42 min 09 s
